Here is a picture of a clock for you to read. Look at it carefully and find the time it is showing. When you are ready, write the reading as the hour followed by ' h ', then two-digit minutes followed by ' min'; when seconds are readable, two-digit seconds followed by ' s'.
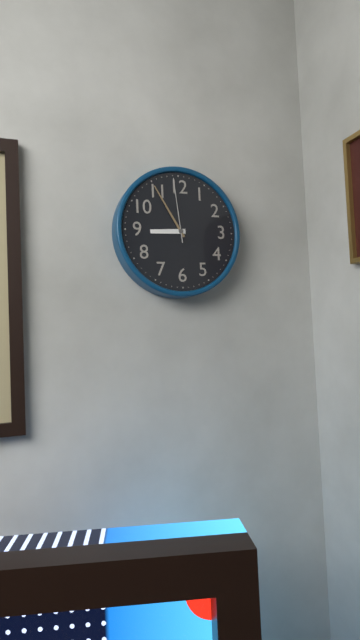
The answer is 8 h 55 min 59 s
